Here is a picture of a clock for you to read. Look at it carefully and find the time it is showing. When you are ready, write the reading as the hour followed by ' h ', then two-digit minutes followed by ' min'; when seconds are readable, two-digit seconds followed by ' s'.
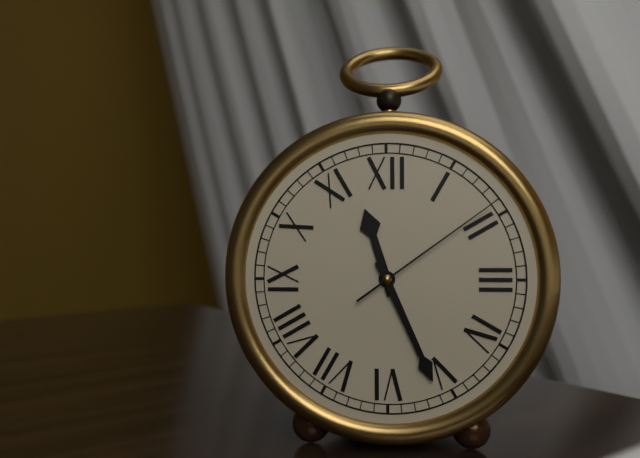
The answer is 11 h 26 min 09 s
